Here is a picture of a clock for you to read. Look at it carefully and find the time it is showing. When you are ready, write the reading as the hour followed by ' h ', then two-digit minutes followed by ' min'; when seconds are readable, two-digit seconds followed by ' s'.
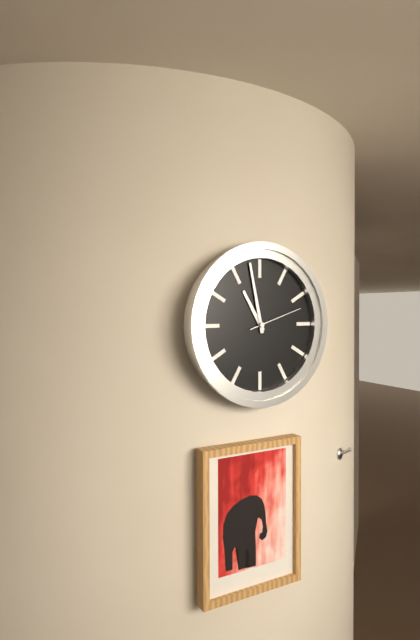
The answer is 10 h 58 min 12 s
